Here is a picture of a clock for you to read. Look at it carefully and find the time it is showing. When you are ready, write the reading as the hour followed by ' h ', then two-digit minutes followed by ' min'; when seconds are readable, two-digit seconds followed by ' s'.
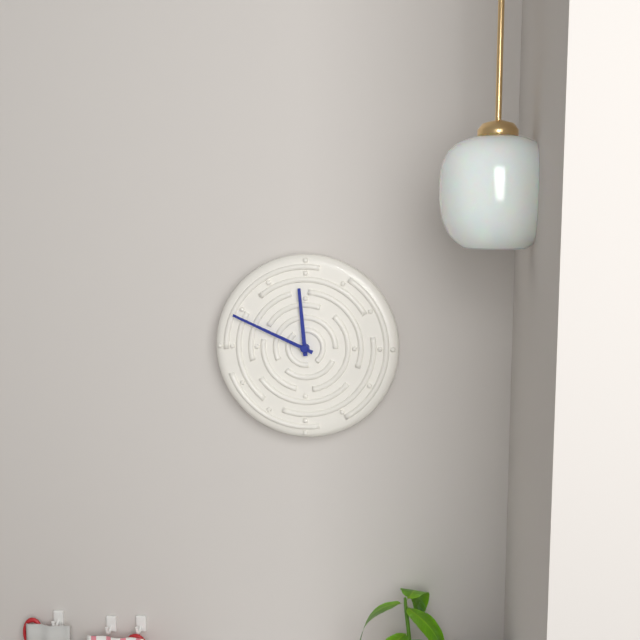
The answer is 11 h 49 min
